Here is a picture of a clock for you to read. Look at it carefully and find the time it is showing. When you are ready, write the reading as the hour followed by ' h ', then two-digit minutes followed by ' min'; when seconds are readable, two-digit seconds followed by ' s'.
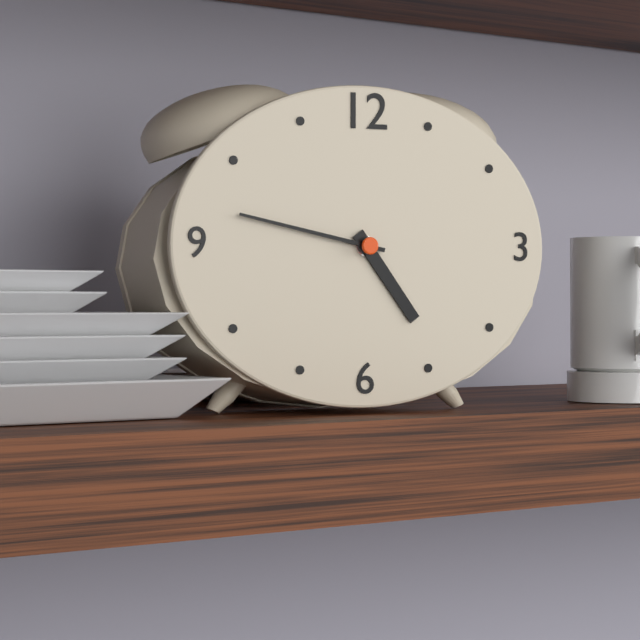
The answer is 4 h 47 min
